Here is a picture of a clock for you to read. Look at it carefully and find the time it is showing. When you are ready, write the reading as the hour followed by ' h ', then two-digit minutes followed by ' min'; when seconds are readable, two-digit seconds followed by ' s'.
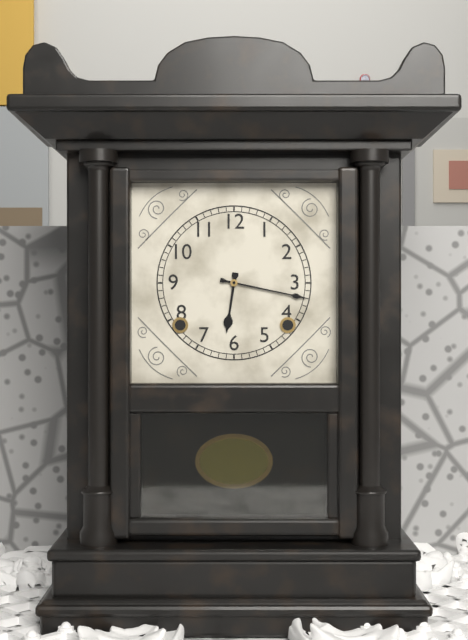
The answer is 6 h 17 min
